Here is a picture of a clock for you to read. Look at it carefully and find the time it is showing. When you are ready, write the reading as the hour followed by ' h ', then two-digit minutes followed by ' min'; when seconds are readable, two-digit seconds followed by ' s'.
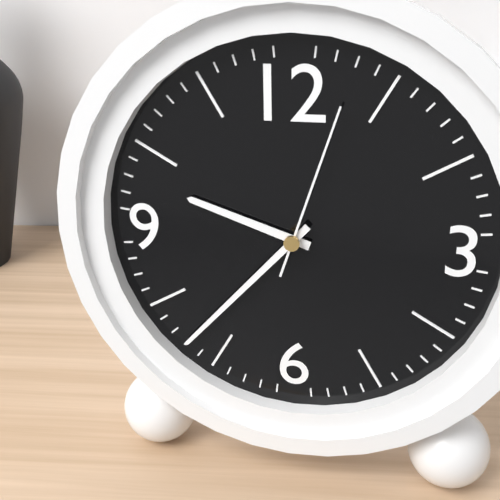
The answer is 9 h 37 min 03 s
